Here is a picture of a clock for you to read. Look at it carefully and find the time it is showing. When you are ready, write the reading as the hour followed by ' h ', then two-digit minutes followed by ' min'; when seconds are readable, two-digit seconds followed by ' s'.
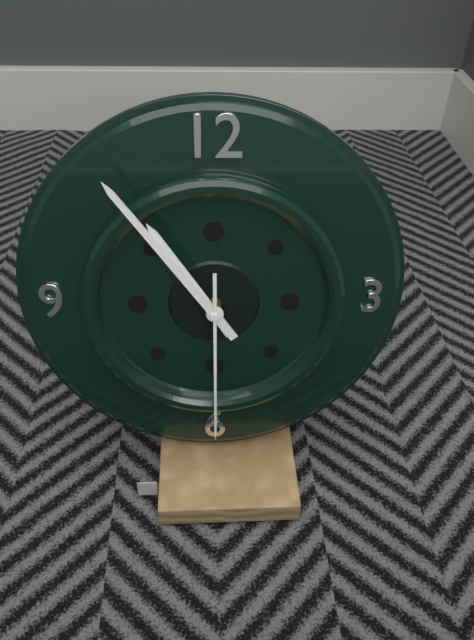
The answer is 10 h 54 min 30 s
